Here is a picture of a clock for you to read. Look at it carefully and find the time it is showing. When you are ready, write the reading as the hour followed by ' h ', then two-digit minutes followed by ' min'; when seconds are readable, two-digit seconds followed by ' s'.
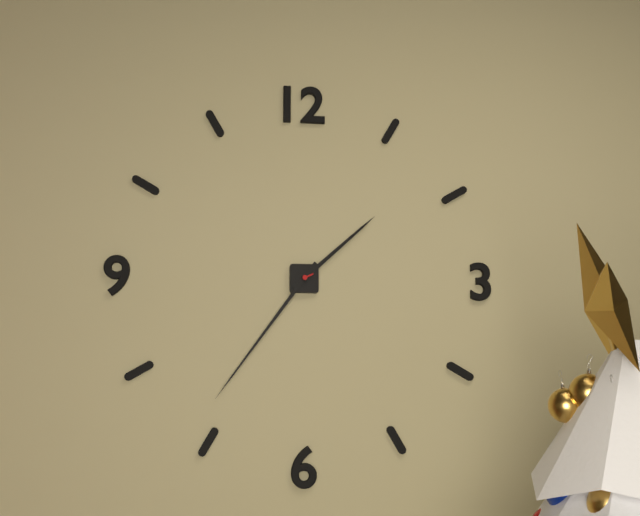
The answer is 1 h 36 min
